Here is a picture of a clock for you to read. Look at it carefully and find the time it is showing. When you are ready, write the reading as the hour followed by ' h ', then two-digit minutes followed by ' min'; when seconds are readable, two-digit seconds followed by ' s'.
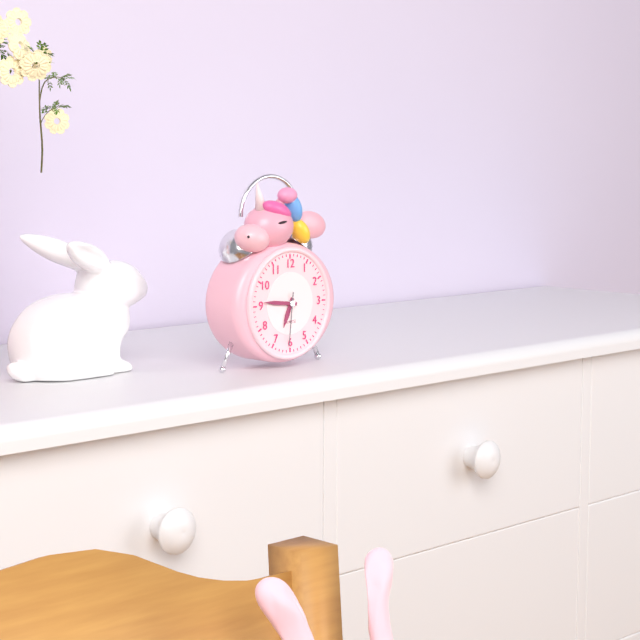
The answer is 6 h 46 min 31 s
